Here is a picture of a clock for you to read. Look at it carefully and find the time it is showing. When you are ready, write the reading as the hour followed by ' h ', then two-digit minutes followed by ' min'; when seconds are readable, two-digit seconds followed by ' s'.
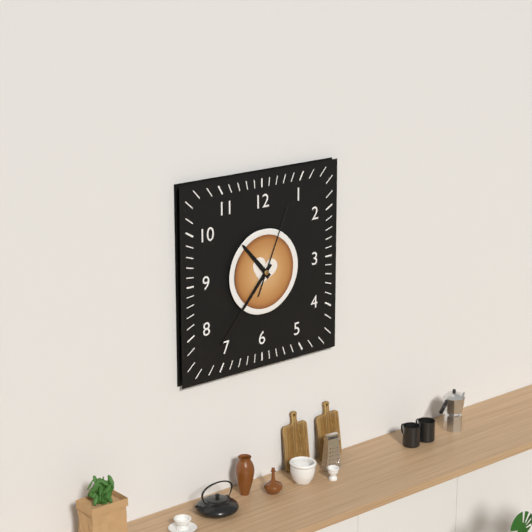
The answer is 10 h 37 min 04 s
